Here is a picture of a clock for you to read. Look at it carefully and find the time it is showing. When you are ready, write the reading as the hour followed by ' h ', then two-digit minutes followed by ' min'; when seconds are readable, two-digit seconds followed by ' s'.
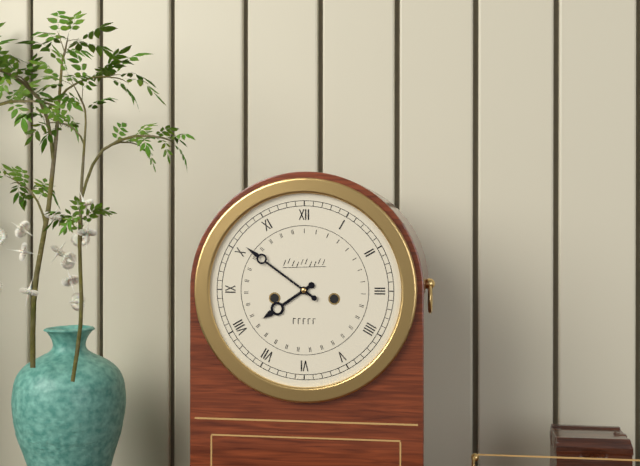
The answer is 7 h 51 min
